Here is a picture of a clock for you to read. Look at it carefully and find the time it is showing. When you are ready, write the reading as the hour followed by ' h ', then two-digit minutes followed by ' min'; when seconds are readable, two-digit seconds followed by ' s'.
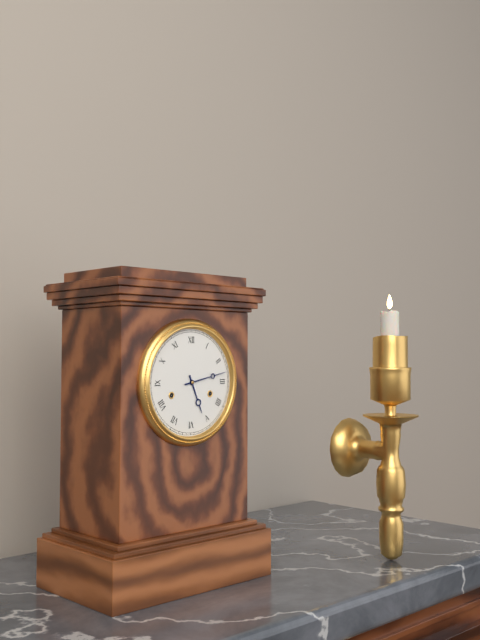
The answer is 5 h 13 min
